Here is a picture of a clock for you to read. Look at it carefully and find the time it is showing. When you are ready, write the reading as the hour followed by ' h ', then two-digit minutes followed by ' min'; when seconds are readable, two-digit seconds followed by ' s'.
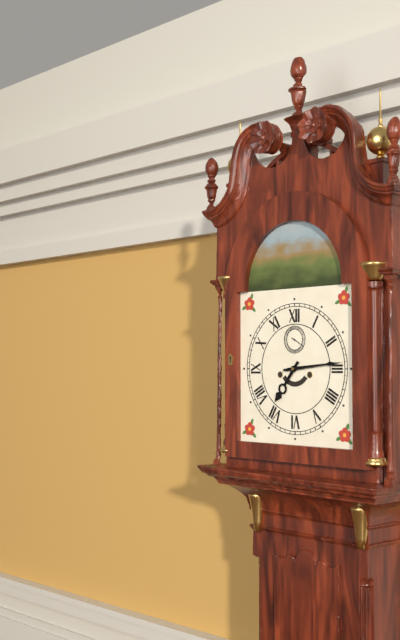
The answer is 7 h 14 min
